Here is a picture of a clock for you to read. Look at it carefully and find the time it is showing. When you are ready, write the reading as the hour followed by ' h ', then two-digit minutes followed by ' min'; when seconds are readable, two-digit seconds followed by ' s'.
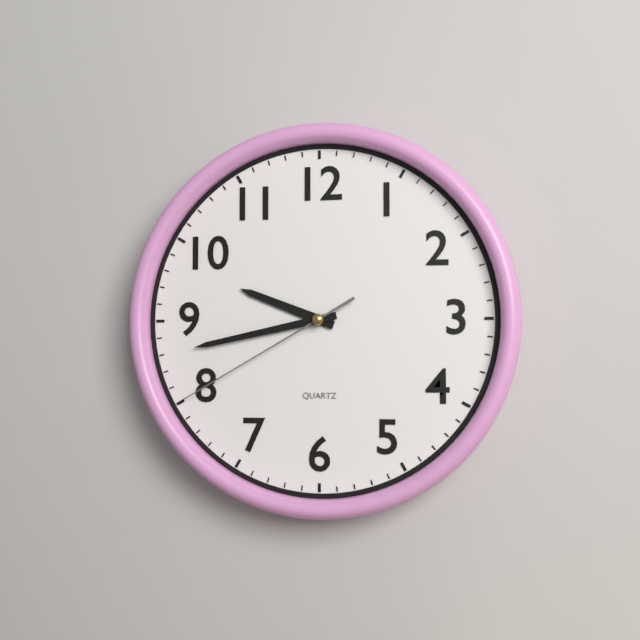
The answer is 9 h 43 min 40 s
